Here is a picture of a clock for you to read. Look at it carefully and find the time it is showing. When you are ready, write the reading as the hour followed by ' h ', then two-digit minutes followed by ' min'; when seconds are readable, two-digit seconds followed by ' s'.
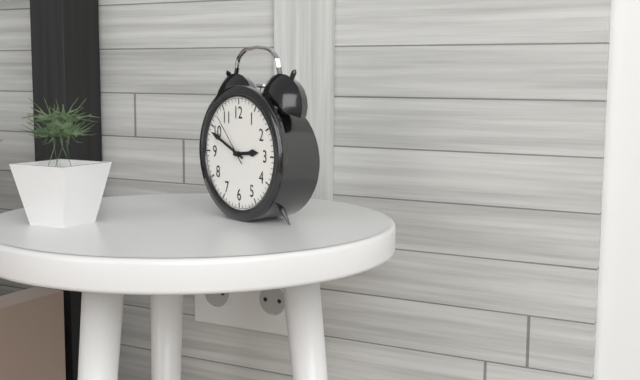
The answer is 2 h 49 min 53 s
